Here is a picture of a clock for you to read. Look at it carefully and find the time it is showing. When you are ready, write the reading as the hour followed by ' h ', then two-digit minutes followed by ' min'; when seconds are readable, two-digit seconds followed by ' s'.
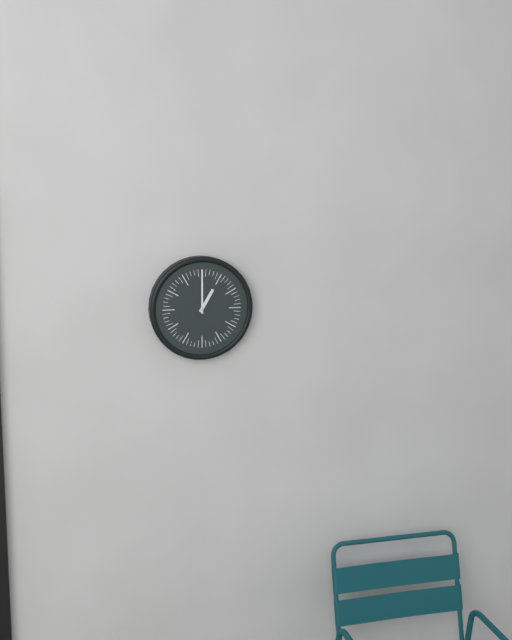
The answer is 1 h 00 min
